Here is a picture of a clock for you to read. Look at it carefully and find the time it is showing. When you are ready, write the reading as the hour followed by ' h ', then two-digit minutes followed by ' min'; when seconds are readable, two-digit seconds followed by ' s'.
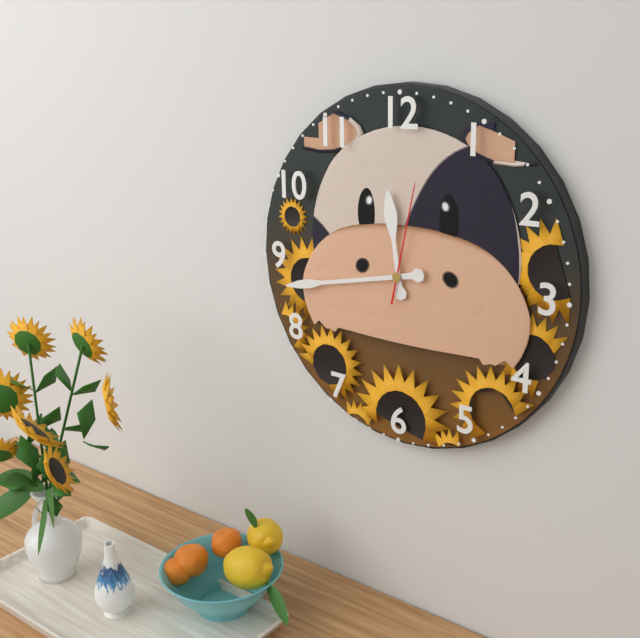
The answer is 11 h 43 min 02 s
